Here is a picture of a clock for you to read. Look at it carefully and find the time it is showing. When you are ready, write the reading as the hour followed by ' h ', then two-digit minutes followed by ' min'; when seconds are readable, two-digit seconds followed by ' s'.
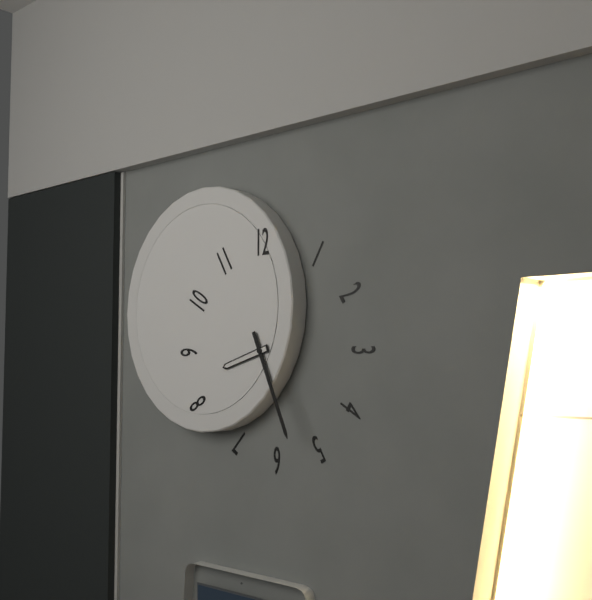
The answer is 8 h 26 min
